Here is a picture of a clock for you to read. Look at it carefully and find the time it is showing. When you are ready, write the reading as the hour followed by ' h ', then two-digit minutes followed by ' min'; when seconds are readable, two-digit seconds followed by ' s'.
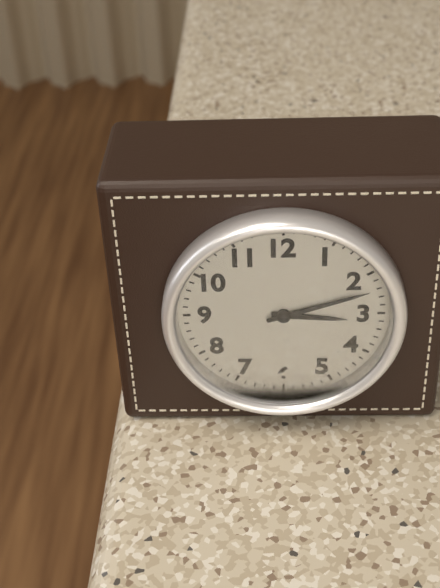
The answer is 3 h 12 min
